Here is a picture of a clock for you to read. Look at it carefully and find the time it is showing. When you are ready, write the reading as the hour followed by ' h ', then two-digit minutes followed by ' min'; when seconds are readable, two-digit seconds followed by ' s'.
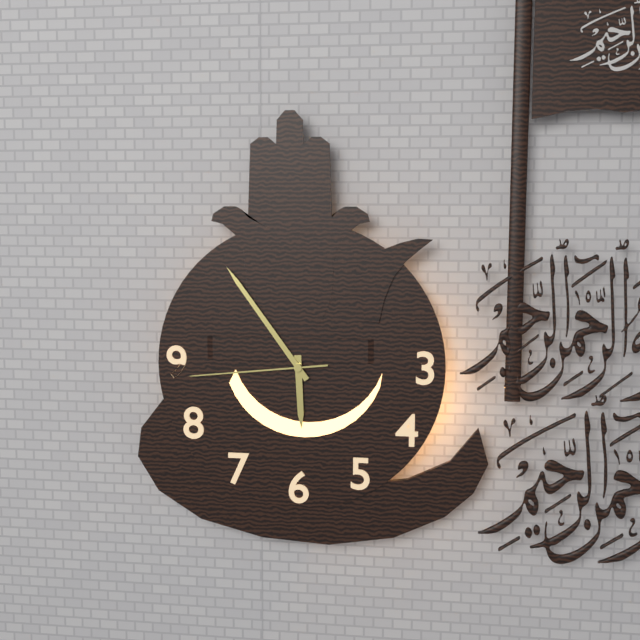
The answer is 5 h 54 min 44 s
